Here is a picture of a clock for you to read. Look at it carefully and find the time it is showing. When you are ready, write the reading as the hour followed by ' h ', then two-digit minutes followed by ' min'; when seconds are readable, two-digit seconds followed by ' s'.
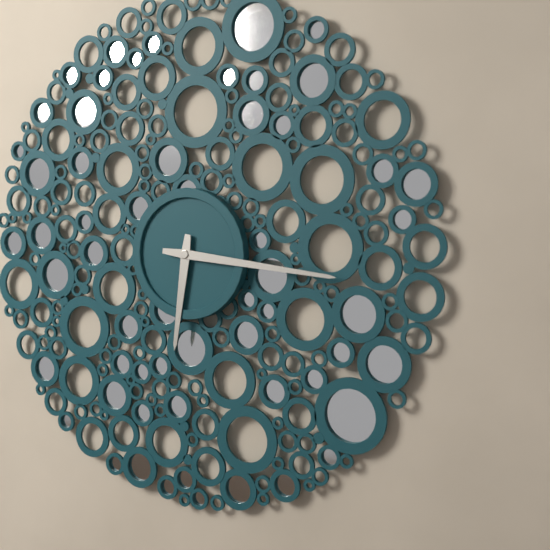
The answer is 6 h 16 min
